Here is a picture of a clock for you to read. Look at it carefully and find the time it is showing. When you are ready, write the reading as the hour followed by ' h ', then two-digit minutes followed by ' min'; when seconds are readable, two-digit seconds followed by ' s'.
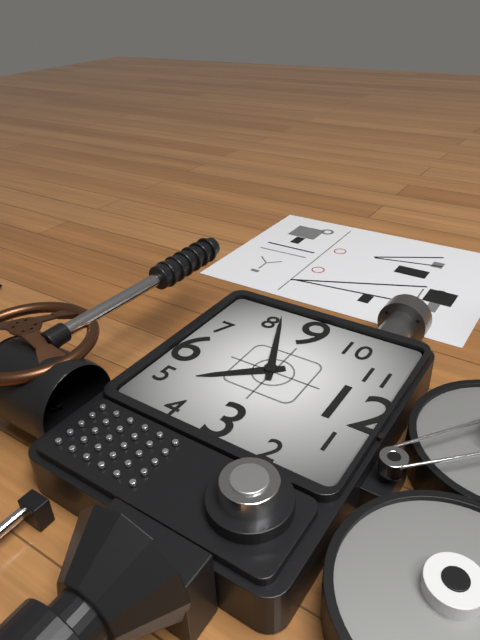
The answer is 4 h 41 min
